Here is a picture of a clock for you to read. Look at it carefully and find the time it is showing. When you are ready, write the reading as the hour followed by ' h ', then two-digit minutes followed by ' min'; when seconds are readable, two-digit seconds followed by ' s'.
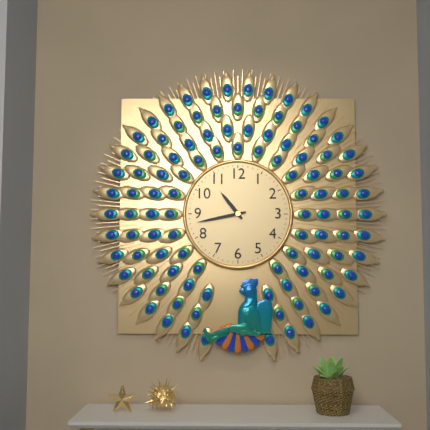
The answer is 10 h 43 min
